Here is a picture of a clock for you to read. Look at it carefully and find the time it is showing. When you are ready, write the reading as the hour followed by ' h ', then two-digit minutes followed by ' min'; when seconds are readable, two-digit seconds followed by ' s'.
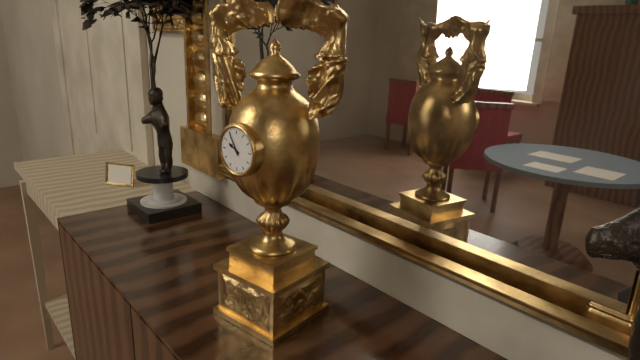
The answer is 9 h 55 min
